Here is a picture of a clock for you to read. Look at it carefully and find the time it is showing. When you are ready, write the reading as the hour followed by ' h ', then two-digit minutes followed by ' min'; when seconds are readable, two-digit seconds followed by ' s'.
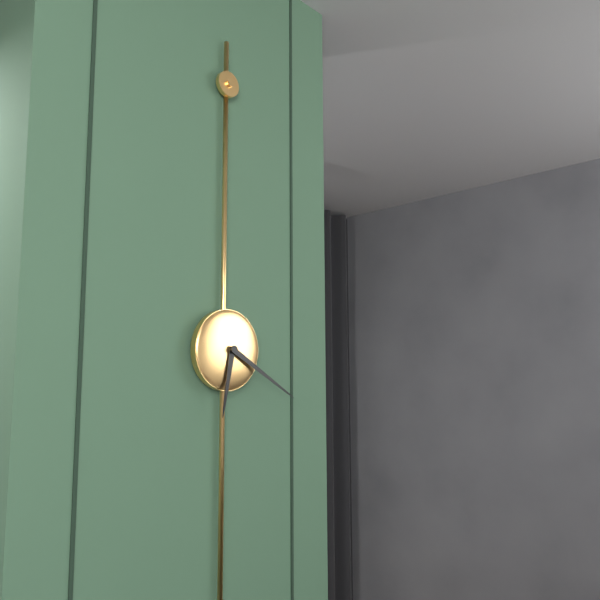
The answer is 6 h 20 min
